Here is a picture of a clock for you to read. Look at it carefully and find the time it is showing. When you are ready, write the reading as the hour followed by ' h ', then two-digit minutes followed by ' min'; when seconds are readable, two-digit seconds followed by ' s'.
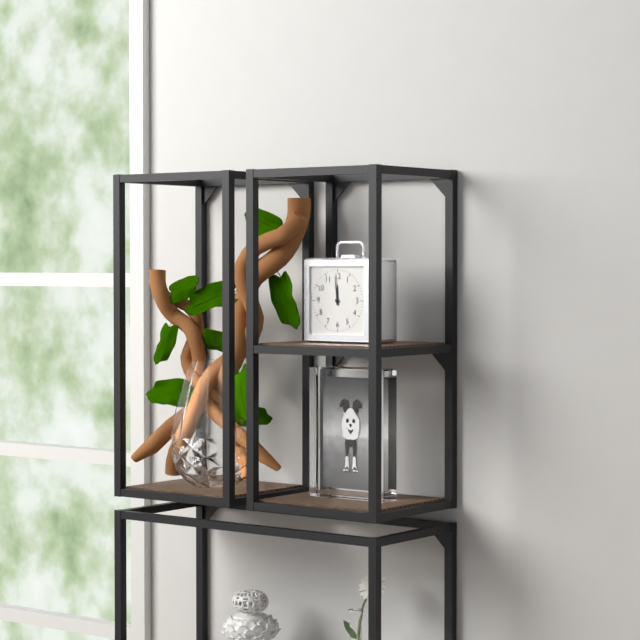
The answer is 11 h 59 min
